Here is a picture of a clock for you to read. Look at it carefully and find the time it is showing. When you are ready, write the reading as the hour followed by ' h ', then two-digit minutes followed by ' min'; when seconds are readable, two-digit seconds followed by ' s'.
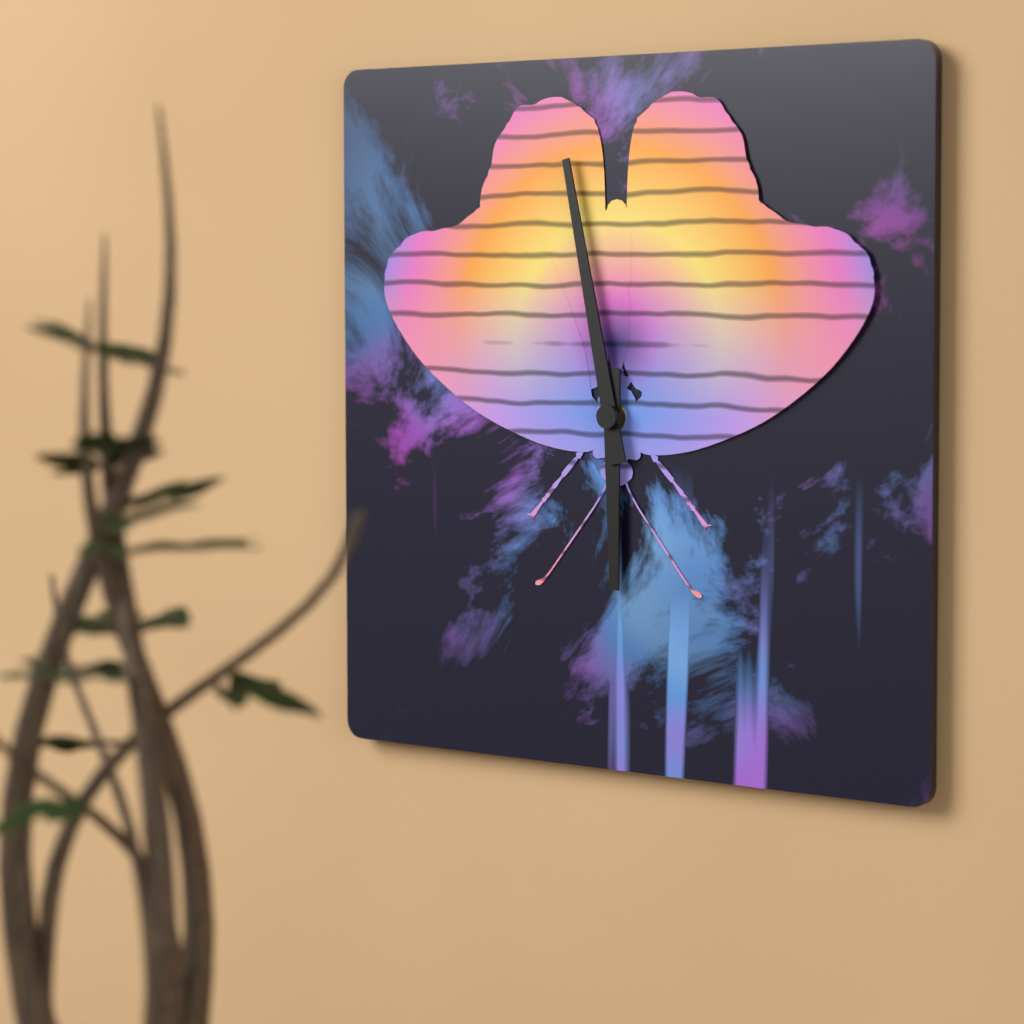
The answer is 5 h 58 min
